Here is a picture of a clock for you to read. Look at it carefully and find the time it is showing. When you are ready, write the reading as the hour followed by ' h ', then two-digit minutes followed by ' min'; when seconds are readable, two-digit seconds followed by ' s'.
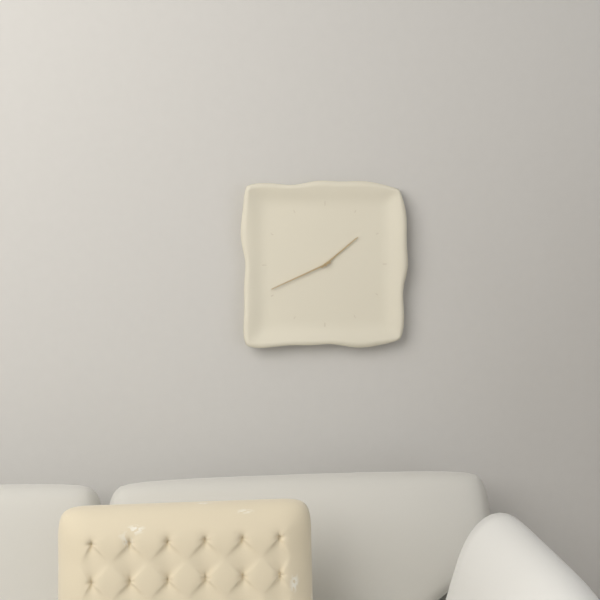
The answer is 1 h 41 min
